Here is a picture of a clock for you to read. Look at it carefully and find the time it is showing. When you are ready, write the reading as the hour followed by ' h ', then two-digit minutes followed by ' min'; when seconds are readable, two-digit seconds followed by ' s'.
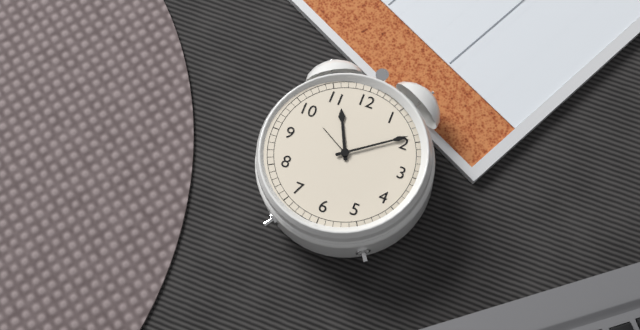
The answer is 11 h 09 min
